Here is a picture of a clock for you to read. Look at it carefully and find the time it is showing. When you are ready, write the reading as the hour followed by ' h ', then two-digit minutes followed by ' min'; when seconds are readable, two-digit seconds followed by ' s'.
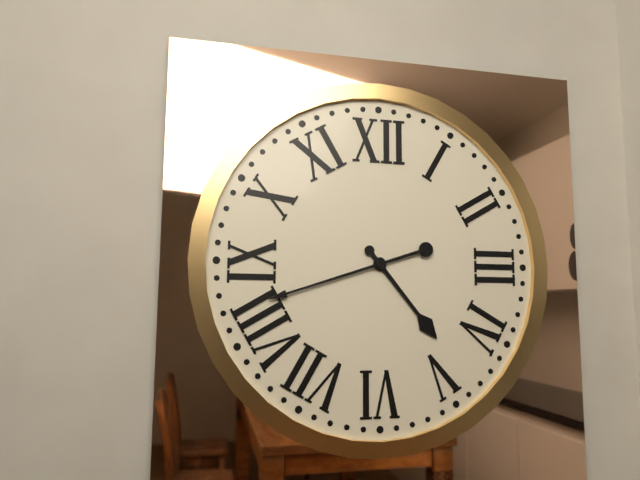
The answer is 4 h 42 min
